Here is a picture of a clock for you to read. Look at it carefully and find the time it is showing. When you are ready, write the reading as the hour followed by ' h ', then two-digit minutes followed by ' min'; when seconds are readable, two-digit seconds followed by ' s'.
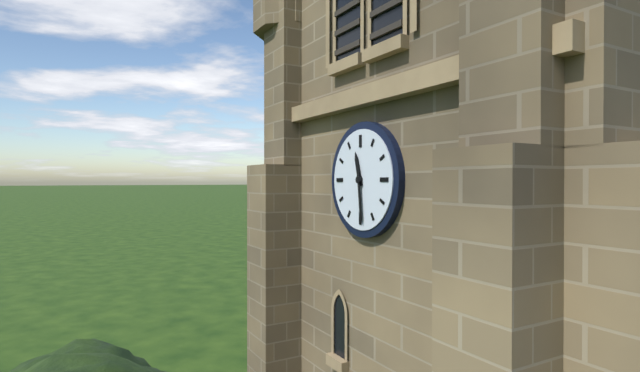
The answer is 11 h 29 min
